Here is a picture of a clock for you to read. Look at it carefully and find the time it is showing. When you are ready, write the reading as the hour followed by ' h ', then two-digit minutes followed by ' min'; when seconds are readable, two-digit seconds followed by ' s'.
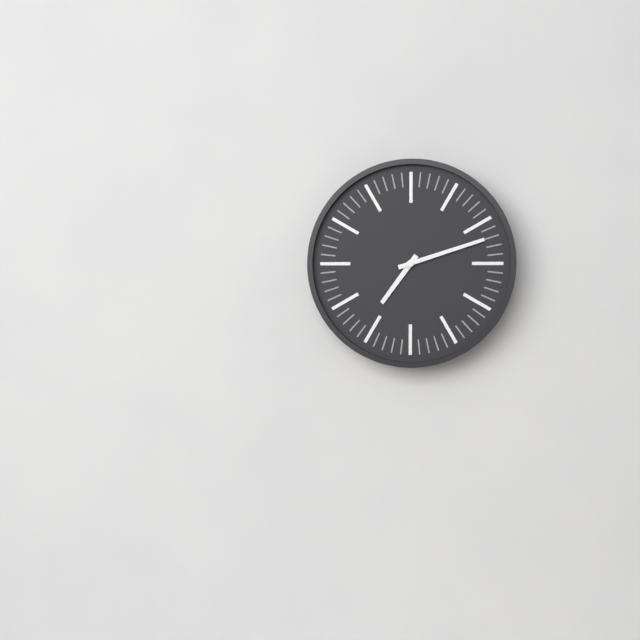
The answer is 7 h 12 min
